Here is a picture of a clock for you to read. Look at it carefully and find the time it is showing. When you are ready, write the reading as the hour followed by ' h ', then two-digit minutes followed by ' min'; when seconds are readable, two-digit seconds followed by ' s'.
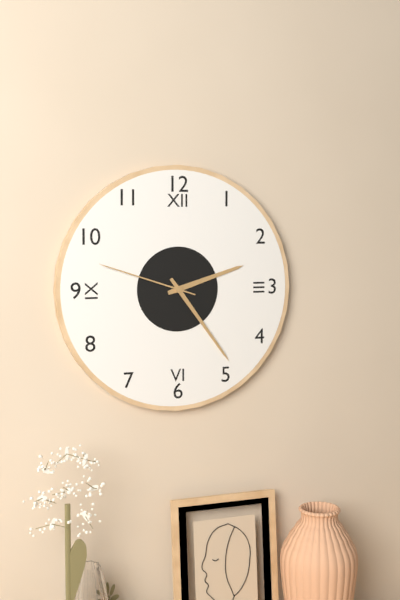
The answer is 2 h 24 min 48 s
